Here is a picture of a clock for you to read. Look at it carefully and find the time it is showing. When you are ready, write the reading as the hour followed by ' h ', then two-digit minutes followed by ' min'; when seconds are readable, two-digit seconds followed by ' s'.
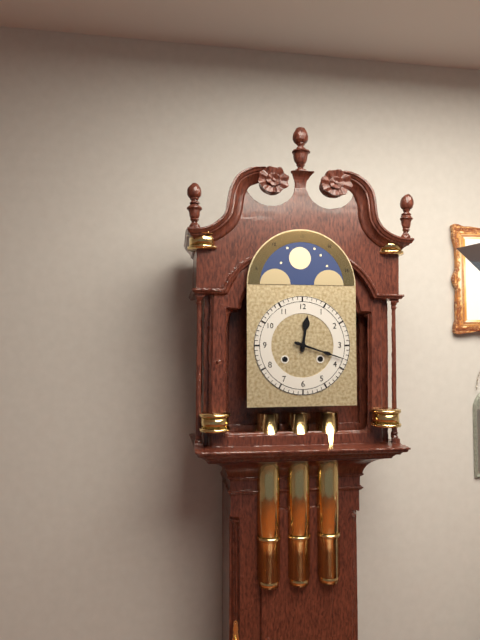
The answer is 12 h 18 min
